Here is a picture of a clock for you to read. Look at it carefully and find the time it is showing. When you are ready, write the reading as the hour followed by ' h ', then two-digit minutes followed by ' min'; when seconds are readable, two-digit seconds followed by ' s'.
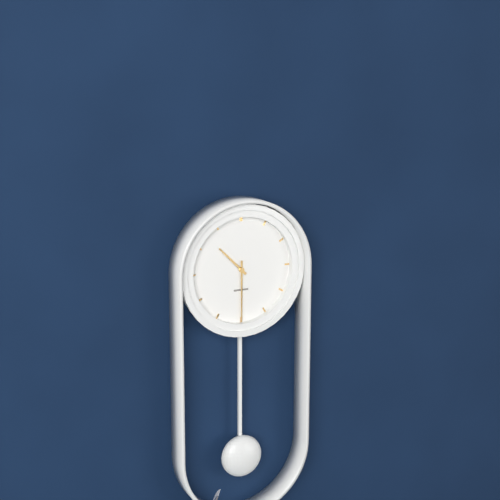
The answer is 10 h 30 min
